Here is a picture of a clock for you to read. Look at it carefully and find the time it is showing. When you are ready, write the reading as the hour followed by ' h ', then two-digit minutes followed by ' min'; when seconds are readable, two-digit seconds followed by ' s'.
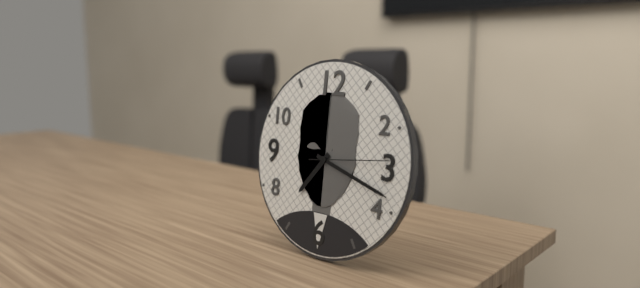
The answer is 7 h 18 min 14 s
